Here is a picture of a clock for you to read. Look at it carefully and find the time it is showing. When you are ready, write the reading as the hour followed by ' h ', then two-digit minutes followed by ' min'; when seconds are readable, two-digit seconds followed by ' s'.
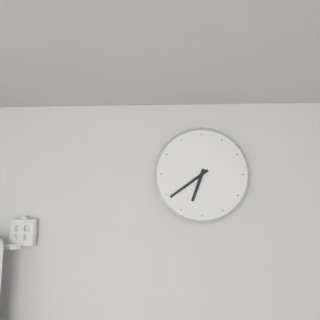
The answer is 6 h 39 min
